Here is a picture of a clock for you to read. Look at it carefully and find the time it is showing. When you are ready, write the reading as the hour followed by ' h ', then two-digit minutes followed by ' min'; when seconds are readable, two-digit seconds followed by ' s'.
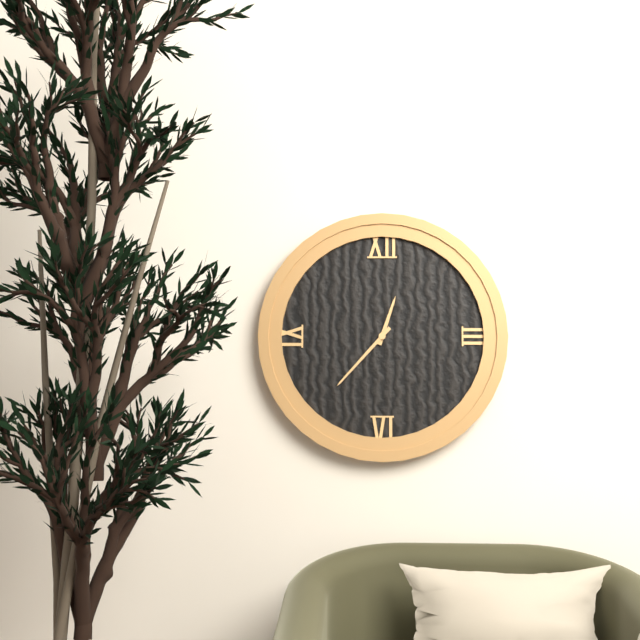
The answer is 12 h 37 min
